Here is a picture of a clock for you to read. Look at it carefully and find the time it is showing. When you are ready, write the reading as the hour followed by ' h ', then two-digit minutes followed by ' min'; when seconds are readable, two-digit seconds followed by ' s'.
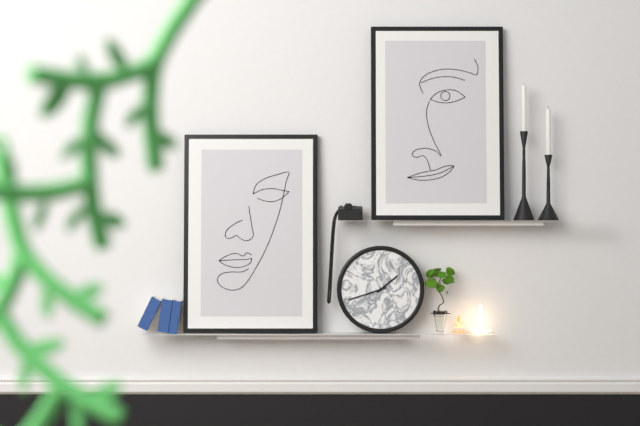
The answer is 1 h 42 min
